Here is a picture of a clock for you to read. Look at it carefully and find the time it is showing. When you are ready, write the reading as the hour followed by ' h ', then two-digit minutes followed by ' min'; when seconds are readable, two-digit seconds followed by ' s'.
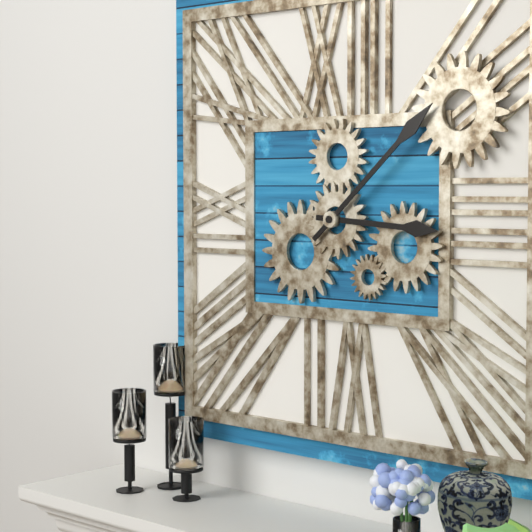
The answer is 3 h 08 min
